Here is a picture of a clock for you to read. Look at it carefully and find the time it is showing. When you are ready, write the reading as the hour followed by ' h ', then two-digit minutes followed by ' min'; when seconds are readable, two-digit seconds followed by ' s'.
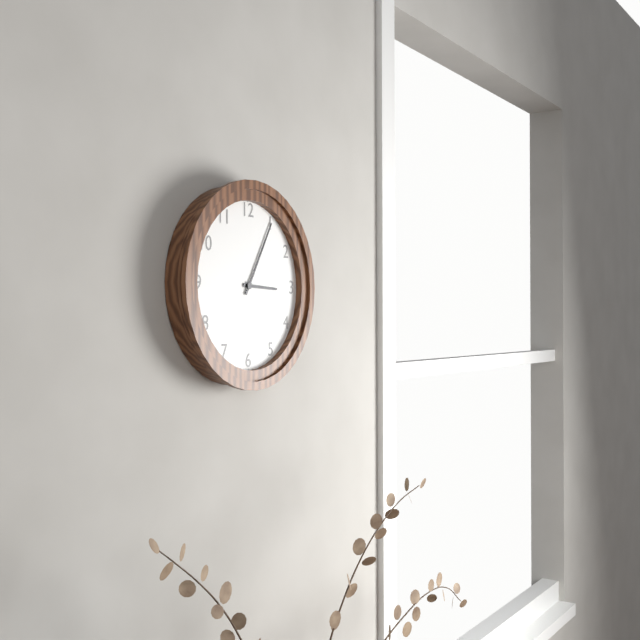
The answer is 3 h 05 min
